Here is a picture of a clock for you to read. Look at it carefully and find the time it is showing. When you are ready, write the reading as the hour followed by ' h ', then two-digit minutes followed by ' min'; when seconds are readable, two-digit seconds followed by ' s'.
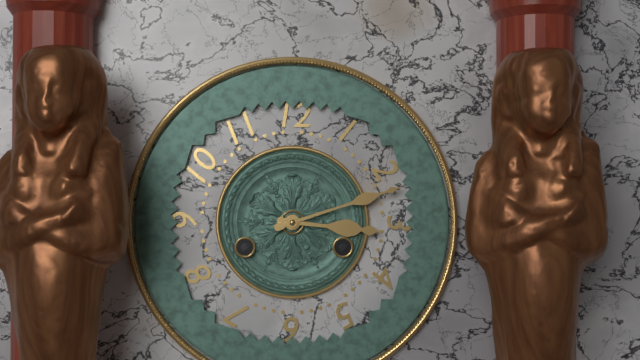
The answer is 3 h 12 min
